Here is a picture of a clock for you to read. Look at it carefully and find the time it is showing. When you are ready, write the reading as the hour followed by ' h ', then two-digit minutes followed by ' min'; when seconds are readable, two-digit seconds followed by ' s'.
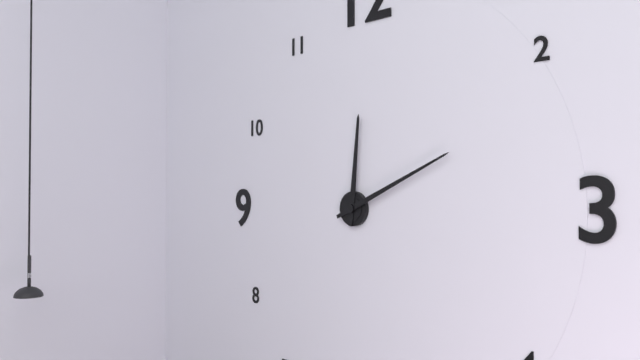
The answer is 12 h 11 min
